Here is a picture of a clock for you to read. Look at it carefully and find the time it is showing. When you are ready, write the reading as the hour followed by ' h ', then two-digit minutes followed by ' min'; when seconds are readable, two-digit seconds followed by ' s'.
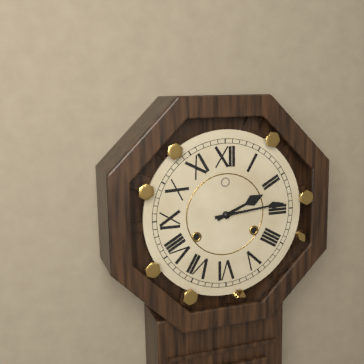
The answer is 2 h 14 min
